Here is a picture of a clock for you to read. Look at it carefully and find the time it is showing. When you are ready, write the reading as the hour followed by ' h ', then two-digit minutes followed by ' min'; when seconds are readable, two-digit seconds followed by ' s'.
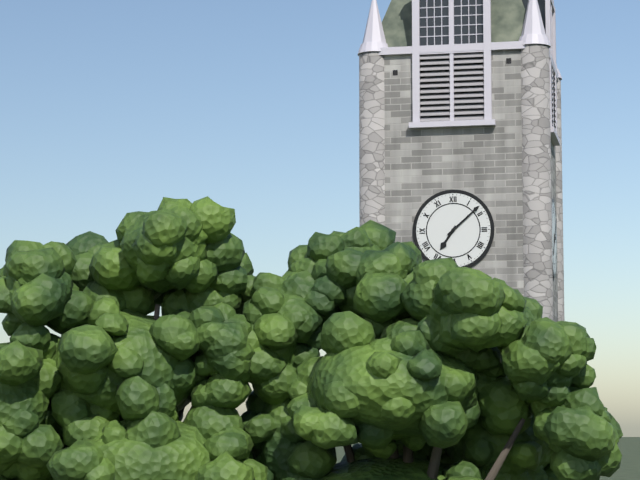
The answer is 7 h 08 min
